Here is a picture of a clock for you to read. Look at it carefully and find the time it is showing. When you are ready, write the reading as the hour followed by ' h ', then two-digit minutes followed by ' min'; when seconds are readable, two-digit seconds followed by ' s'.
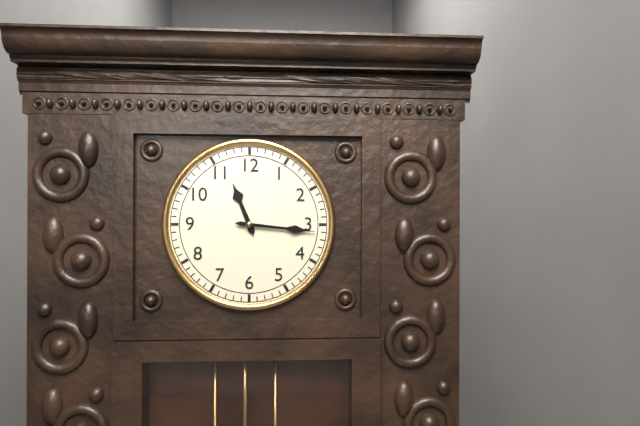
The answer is 11 h 16 min
